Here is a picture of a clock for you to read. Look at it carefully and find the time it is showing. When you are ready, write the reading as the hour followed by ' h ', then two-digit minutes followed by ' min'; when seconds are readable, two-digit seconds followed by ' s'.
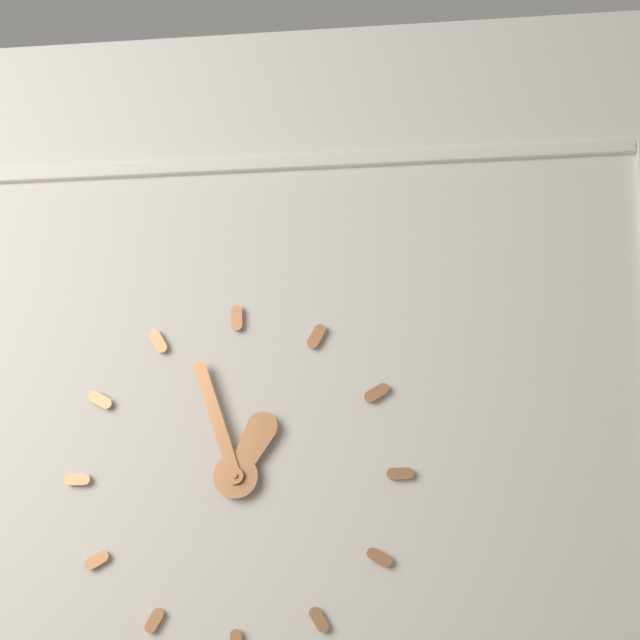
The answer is 12 h 57 min
